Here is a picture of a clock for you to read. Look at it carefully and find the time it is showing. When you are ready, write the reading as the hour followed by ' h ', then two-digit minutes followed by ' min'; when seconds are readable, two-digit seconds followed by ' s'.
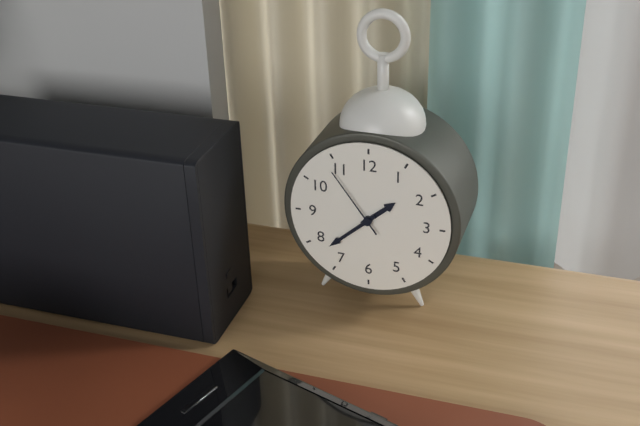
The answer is 1 h 38 min 54 s
